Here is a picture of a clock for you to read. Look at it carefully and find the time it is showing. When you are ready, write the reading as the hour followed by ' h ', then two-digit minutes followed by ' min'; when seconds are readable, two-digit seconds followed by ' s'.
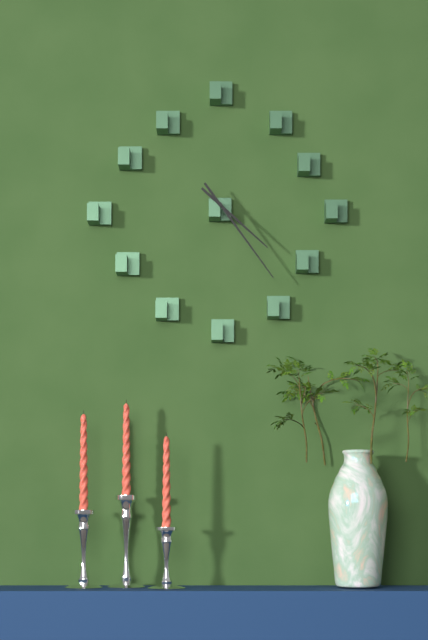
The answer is 4 h 24 min
